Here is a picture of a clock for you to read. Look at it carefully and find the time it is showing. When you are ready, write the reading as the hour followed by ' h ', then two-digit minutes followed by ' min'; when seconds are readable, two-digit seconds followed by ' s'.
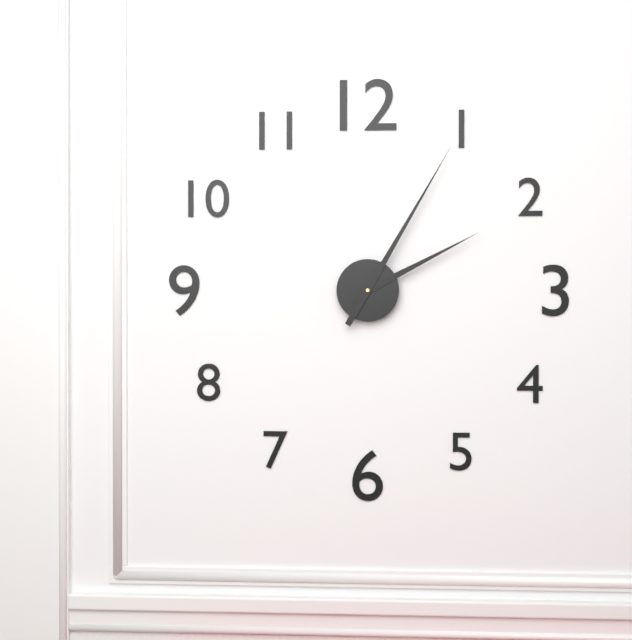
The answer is 2 h 05 min
